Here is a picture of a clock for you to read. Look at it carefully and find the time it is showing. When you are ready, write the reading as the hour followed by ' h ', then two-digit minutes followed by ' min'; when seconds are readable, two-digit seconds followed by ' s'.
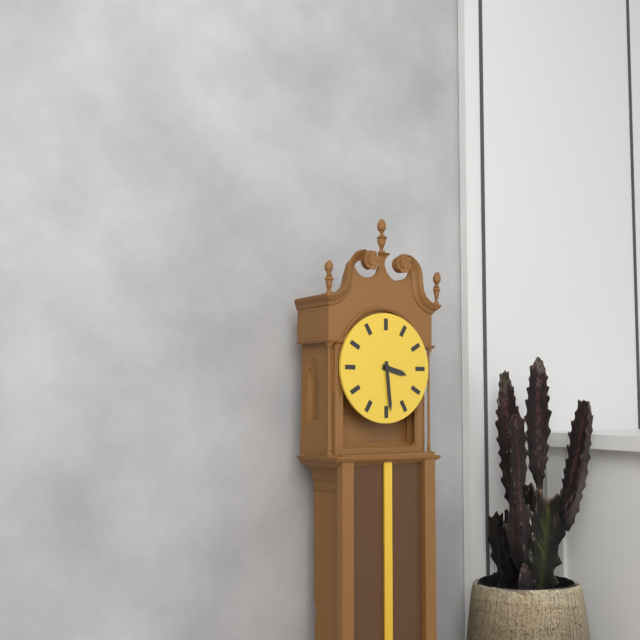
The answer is 3 h 29 min
